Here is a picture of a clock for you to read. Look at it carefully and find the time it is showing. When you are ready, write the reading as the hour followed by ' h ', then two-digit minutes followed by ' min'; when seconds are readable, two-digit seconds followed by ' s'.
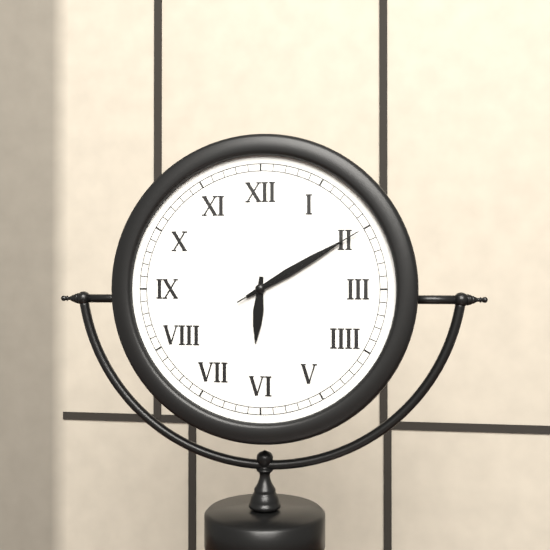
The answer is 6 h 10 min 10 s
